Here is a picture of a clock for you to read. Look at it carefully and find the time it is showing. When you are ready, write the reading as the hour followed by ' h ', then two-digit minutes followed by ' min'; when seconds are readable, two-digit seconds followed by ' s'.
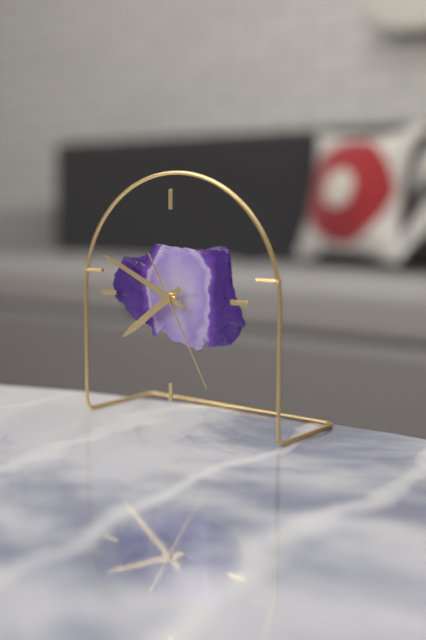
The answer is 7 h 49 min 25 s
